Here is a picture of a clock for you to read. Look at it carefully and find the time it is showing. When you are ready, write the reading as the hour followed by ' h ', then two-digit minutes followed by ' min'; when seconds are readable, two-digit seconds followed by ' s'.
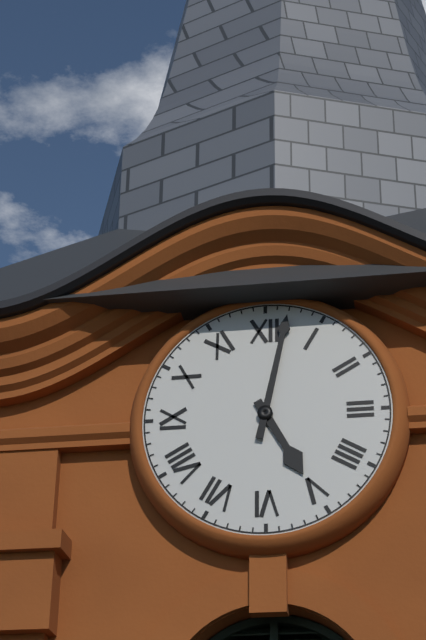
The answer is 5 h 02 min
